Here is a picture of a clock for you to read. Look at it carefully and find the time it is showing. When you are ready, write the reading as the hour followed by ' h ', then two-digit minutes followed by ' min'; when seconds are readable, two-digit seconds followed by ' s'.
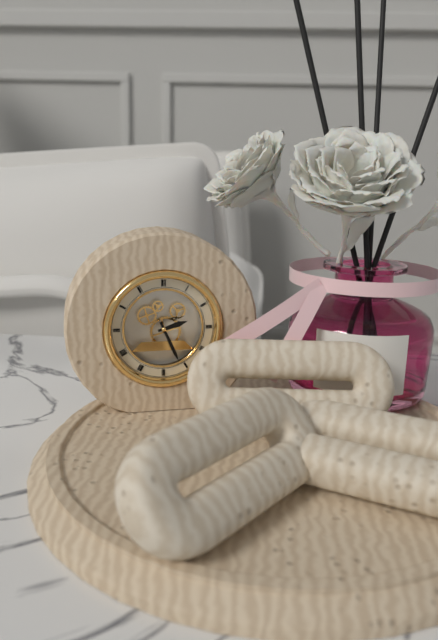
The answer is 2 h 26 min
